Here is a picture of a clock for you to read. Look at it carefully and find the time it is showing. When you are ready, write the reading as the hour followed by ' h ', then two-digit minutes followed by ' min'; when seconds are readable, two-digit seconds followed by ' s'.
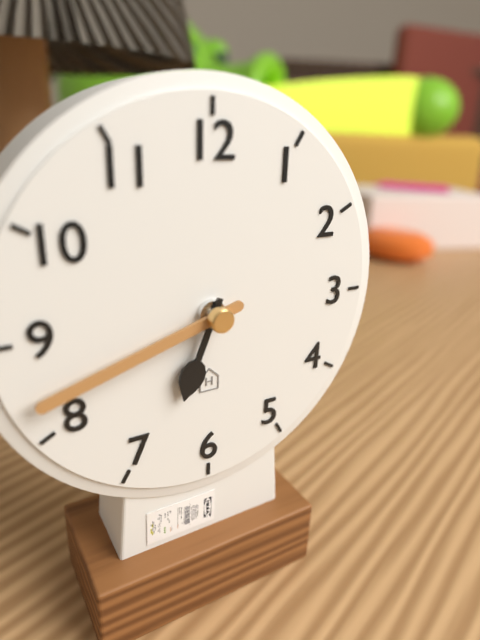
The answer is 6 h 42 min
